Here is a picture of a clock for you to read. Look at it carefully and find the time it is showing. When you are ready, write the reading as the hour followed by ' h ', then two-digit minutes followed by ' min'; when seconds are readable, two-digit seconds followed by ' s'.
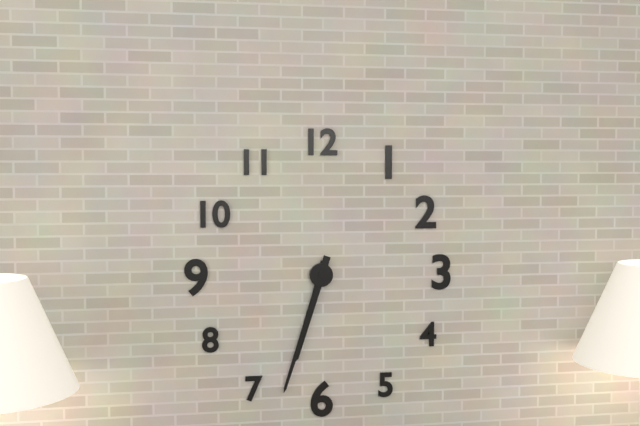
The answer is 6 h 33 min
